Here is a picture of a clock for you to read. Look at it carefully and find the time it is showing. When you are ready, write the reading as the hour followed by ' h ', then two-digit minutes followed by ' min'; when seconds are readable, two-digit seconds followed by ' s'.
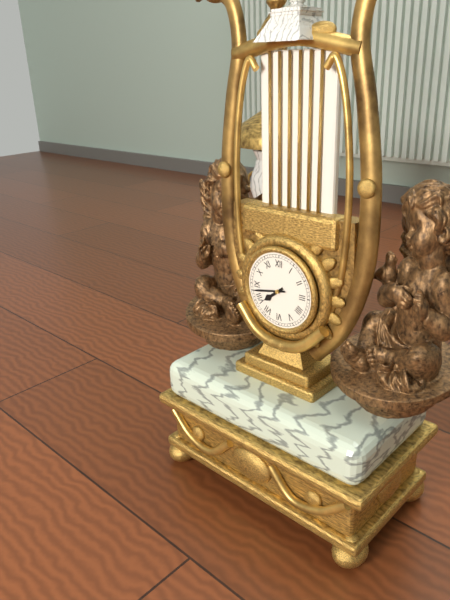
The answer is 7 h 43 min
